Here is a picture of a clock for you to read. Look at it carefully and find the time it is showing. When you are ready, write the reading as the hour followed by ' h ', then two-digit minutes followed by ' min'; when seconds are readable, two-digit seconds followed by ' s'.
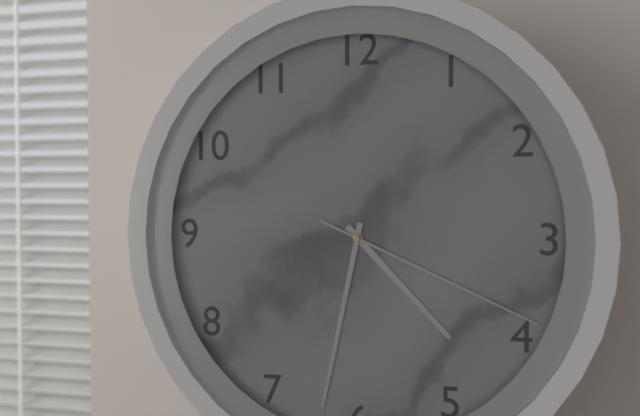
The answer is 4 h 32 min 19 s
